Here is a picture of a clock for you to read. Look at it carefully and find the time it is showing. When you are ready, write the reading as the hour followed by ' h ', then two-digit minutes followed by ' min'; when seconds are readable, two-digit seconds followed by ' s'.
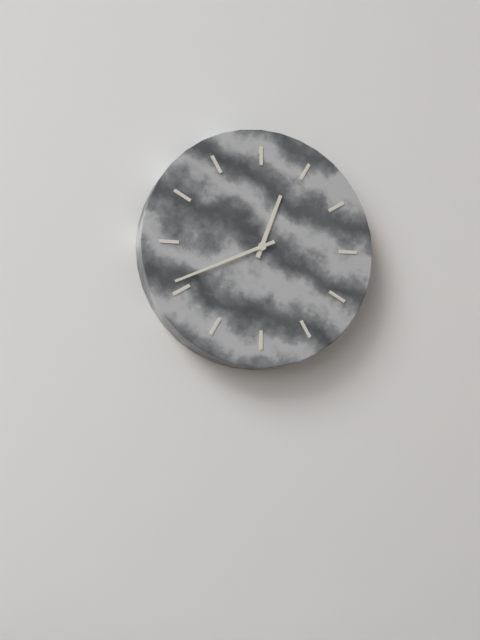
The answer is 12 h 41 min
